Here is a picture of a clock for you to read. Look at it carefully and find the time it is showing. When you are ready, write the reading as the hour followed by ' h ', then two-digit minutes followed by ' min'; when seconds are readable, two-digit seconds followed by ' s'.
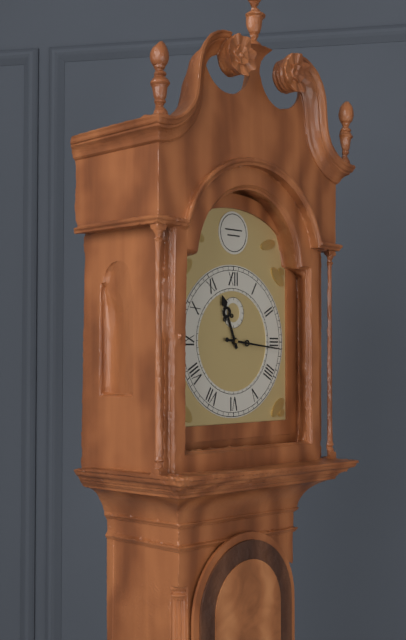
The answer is 11 h 16 min
